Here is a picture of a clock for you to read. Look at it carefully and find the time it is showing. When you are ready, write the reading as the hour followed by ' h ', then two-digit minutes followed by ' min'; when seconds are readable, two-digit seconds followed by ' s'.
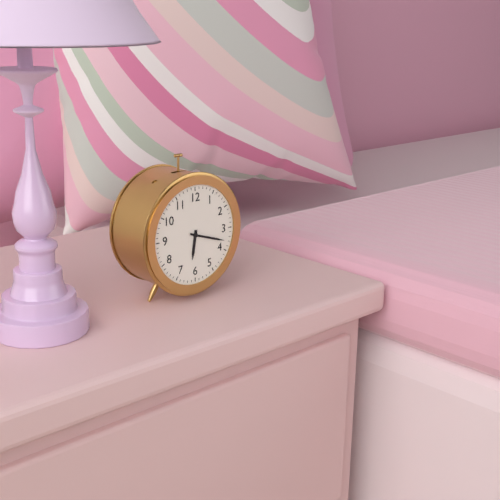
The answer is 6 h 18 min
